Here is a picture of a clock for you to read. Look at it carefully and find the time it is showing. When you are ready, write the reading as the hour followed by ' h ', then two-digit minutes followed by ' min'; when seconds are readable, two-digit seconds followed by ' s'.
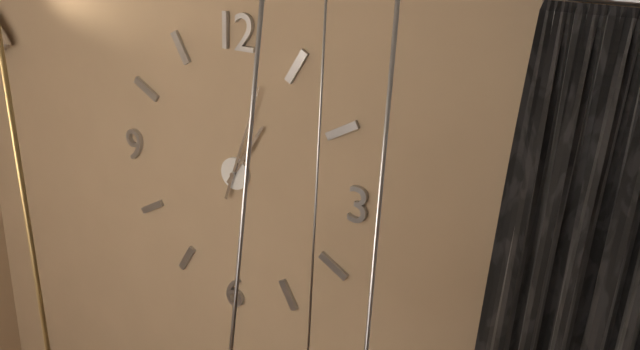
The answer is 1 h 03 min
